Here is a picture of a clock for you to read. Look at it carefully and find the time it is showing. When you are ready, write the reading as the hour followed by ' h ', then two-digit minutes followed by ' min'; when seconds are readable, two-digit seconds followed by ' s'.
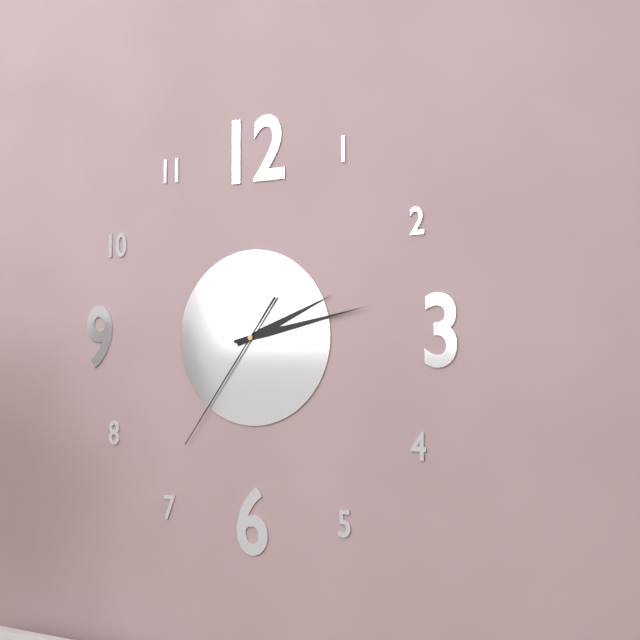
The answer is 2 h 13 min 36 s
